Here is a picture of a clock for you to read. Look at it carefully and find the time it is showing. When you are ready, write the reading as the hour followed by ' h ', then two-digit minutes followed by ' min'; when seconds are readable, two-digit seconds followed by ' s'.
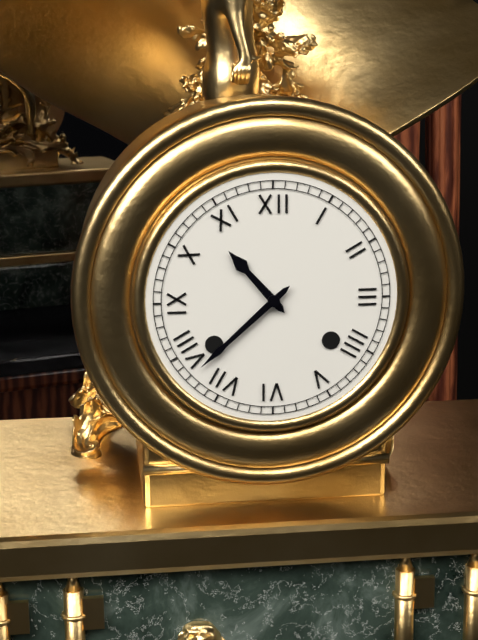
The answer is 10 h 38 min
